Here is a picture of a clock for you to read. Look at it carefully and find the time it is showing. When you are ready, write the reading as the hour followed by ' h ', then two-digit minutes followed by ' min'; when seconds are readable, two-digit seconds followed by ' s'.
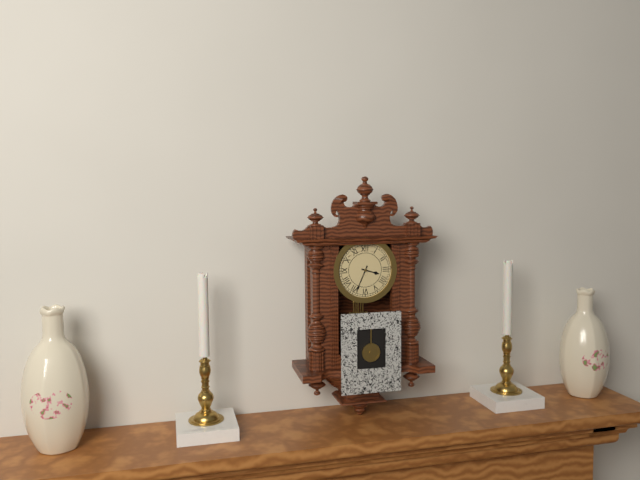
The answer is 3 h 34 min
